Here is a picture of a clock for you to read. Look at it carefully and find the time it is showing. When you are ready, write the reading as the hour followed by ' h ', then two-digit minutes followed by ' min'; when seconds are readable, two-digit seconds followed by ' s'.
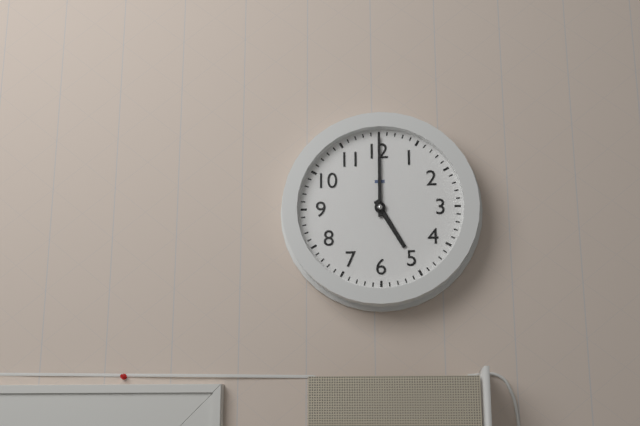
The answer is 5 h 00 min
